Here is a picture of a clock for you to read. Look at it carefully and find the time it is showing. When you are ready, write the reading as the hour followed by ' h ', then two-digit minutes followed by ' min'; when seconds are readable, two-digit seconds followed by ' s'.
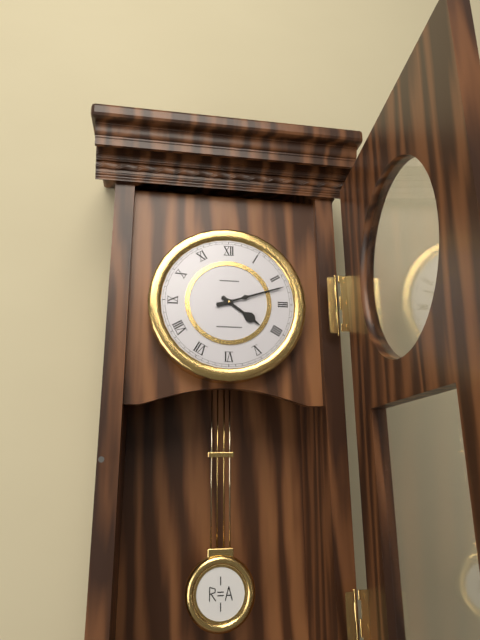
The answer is 4 h 12 min
